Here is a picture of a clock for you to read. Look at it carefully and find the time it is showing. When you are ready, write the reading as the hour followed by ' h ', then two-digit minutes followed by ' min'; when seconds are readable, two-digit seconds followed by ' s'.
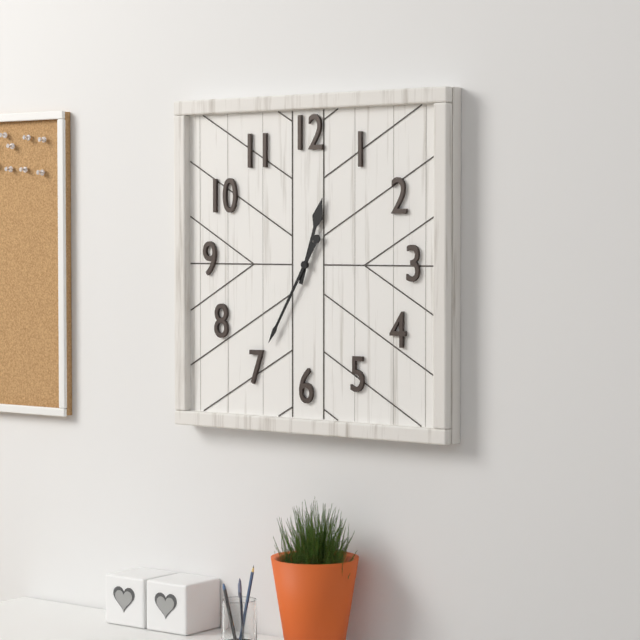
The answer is 12 h 35 min
